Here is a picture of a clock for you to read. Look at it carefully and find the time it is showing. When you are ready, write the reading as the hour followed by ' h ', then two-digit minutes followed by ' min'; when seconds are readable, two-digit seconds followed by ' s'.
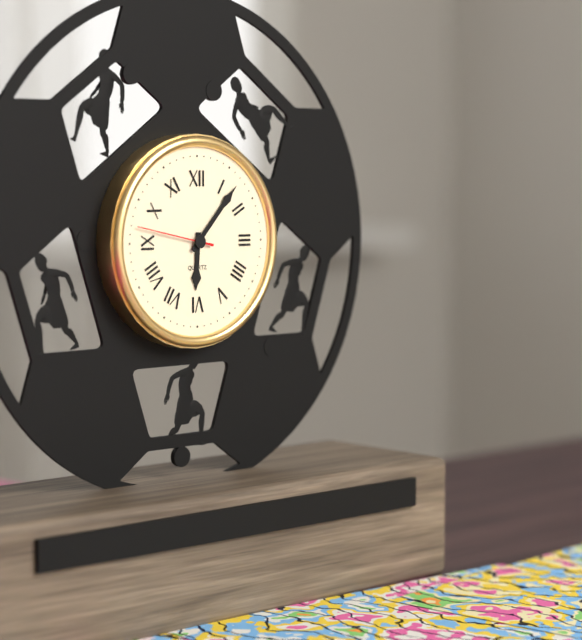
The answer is 6 h 07 min 47 s
